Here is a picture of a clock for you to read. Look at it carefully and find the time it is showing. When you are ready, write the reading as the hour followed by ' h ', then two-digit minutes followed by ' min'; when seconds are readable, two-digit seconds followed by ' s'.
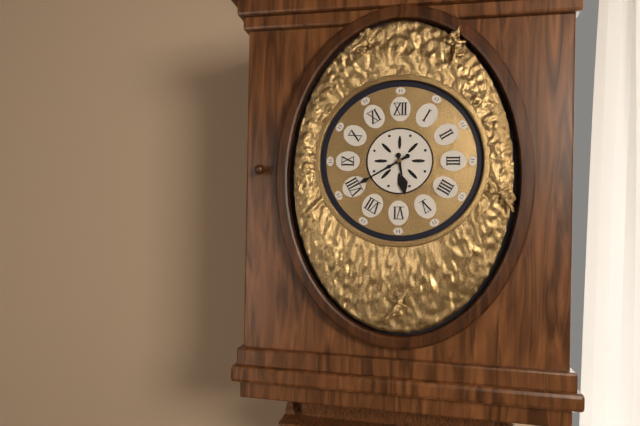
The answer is 5 h 40 min
